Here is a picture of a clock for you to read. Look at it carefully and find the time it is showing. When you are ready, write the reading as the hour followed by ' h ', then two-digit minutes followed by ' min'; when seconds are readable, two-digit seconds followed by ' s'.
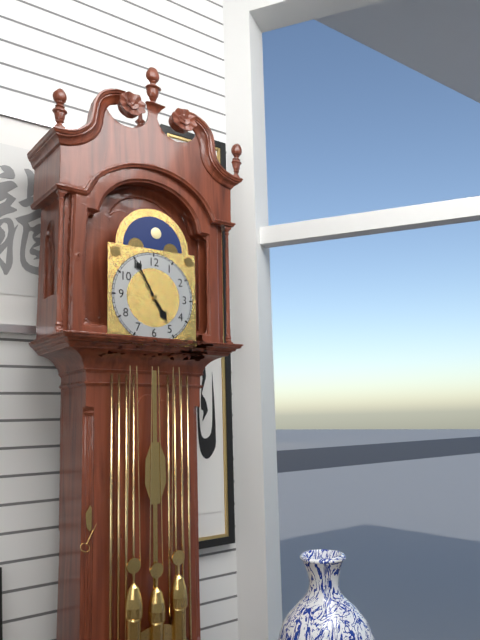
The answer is 4 h 55 min
